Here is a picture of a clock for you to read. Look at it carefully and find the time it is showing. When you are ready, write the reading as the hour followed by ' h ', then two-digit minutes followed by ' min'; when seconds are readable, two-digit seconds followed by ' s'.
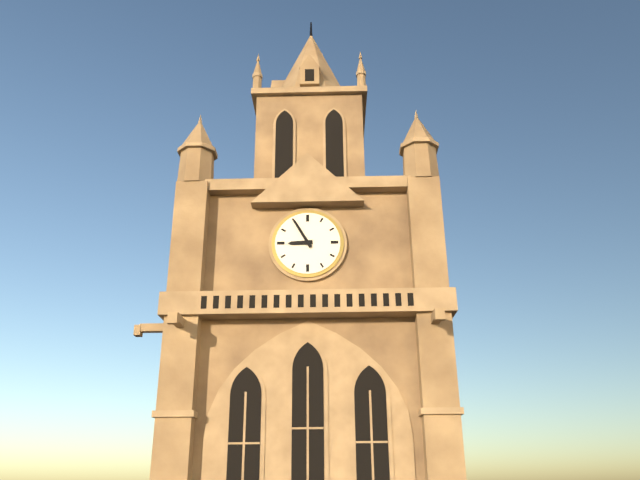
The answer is 8 h 55 min
